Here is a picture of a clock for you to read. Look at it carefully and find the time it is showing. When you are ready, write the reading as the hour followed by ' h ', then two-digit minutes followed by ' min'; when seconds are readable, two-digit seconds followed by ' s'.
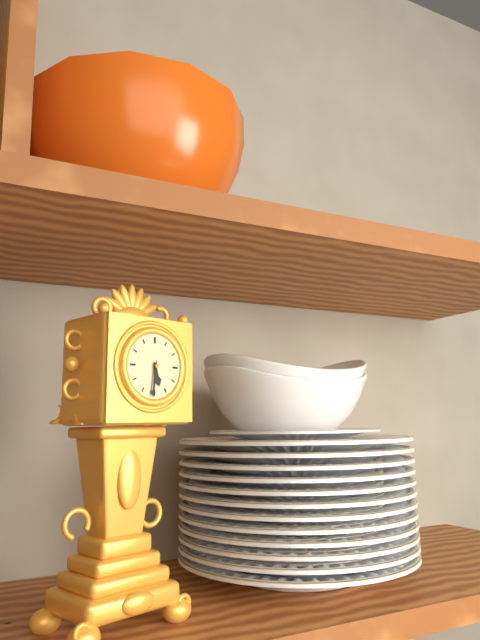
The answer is 5 h 31 min
